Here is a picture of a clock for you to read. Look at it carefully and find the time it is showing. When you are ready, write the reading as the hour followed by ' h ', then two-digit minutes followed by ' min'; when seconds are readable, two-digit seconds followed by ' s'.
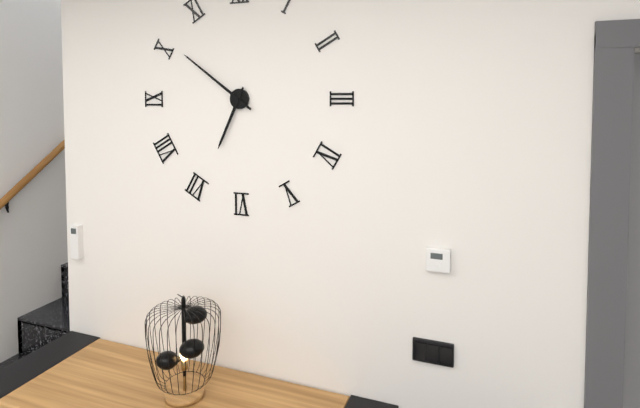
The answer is 6 h 51 min
